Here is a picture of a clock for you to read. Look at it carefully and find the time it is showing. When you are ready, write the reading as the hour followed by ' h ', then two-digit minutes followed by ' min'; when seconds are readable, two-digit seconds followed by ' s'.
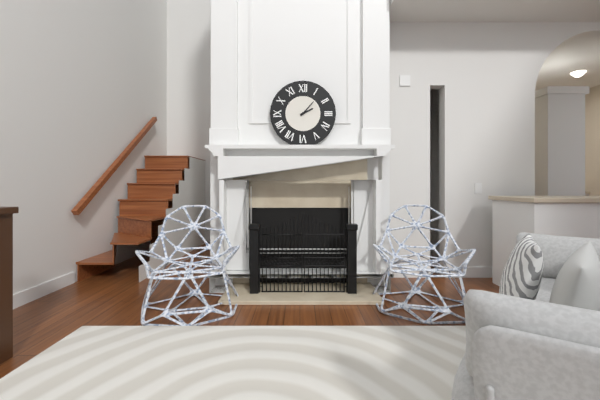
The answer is 2 h 07 min
